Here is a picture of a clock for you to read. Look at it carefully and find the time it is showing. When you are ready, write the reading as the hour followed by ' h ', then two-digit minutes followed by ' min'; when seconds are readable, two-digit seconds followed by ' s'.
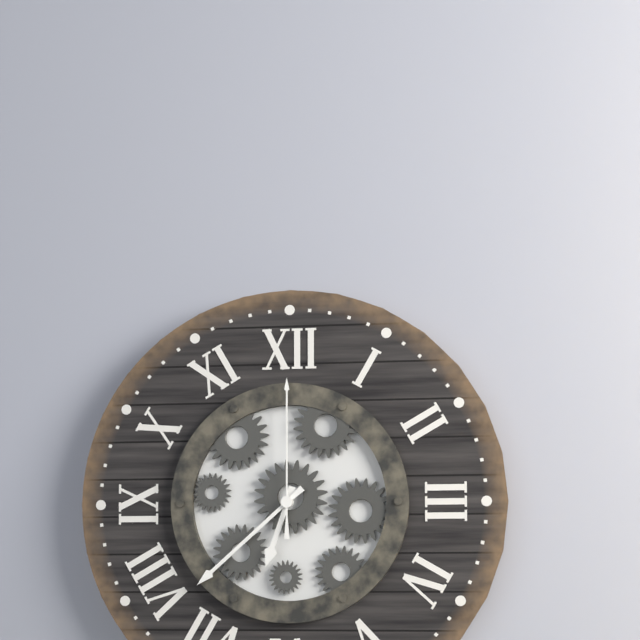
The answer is 6 h 38 min 00 s
